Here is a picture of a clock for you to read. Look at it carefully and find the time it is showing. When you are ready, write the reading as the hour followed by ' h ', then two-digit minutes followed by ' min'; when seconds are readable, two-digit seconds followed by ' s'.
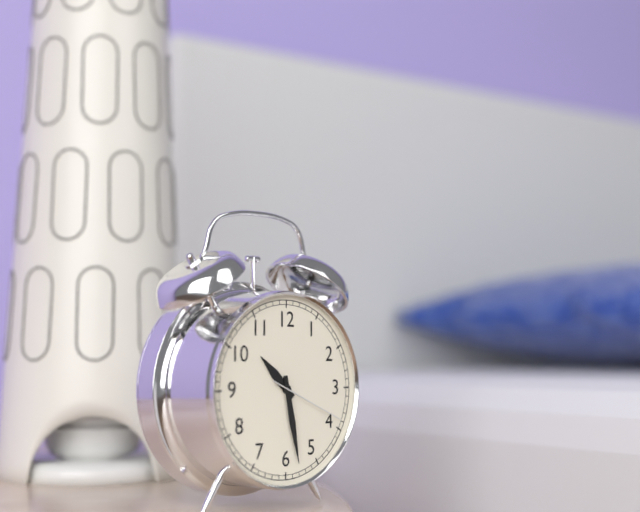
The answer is 10 h 28 min 19 s
